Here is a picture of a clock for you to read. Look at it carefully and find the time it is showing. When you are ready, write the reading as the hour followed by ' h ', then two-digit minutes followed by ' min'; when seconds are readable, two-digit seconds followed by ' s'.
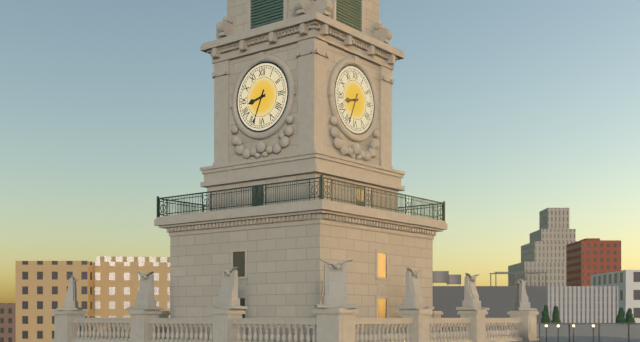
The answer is 8 h 34 min
